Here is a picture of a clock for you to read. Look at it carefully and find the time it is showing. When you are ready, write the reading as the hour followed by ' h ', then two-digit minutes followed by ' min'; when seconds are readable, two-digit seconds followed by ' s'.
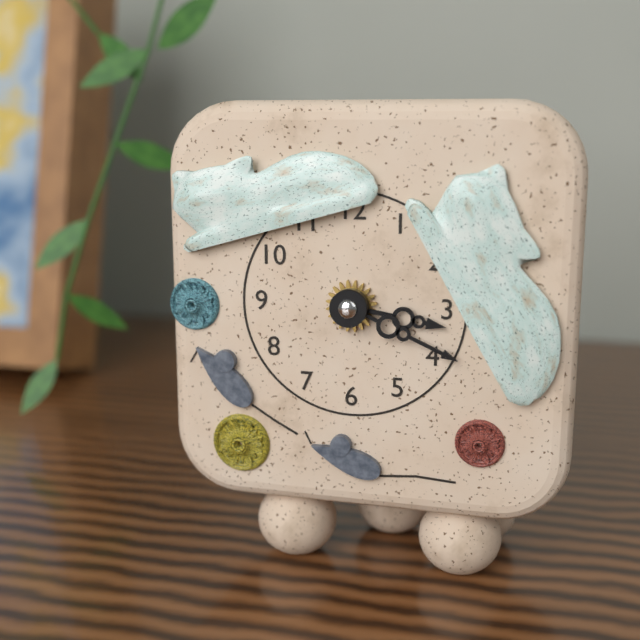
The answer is 3 h 19 min
